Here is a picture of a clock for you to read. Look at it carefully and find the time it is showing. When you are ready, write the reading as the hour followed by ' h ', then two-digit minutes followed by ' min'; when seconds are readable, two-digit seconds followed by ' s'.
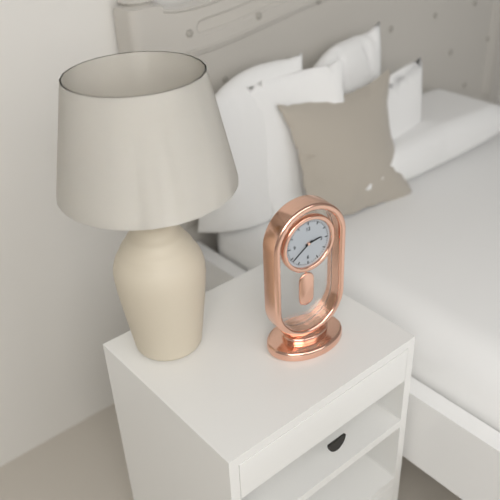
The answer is 2 h 39 min
